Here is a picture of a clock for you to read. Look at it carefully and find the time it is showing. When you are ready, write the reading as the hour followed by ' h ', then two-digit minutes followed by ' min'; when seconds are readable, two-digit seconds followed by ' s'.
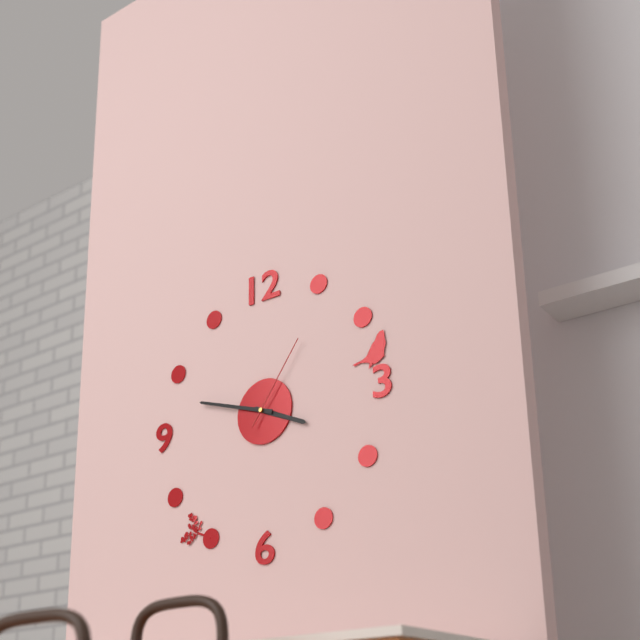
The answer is 3 h 48 min 06 s
